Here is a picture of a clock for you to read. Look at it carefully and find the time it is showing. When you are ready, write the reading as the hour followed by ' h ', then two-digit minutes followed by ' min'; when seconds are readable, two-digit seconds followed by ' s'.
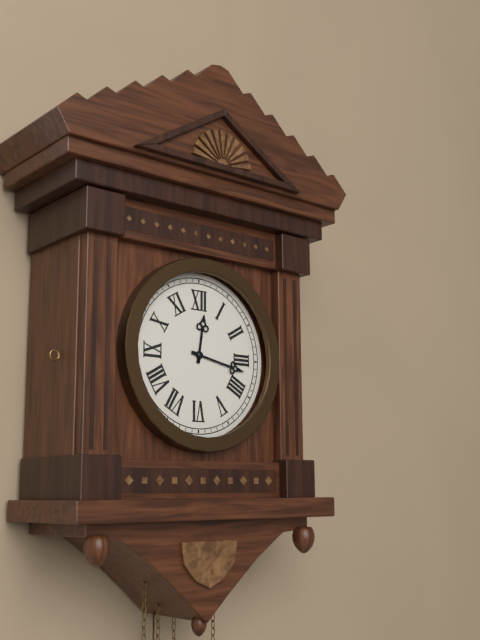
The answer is 12 h 17 min
